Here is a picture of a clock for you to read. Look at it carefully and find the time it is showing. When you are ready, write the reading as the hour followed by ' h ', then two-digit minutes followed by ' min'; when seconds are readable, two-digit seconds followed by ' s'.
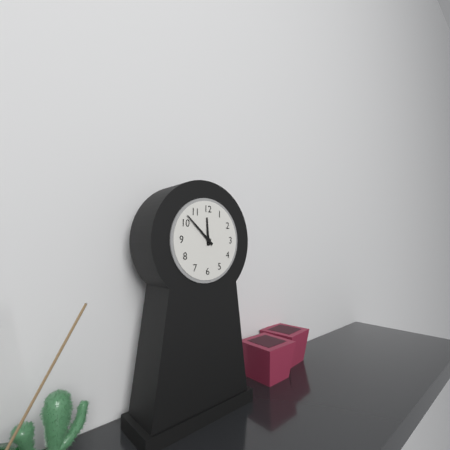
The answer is 11 h 52 min
